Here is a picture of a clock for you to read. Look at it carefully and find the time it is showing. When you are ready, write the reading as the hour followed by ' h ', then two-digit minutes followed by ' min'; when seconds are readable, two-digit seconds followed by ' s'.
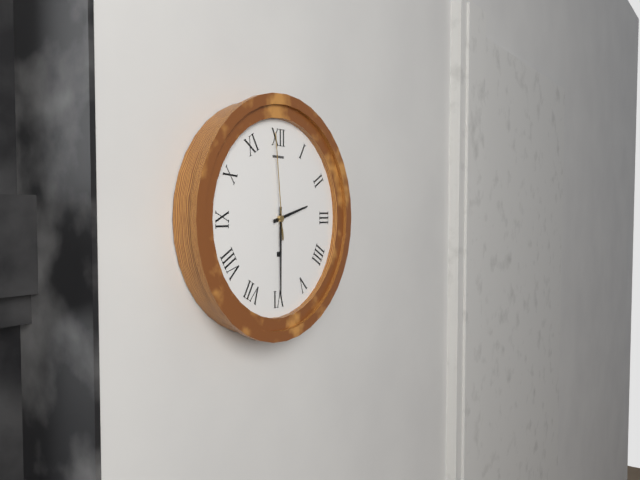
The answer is 2 h 30 min 59 s
